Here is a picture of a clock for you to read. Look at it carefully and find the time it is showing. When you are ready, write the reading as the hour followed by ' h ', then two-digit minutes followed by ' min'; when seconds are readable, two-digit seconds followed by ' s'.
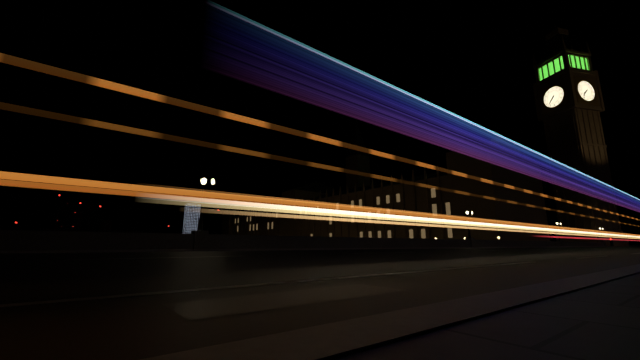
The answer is 7 h 37 min
